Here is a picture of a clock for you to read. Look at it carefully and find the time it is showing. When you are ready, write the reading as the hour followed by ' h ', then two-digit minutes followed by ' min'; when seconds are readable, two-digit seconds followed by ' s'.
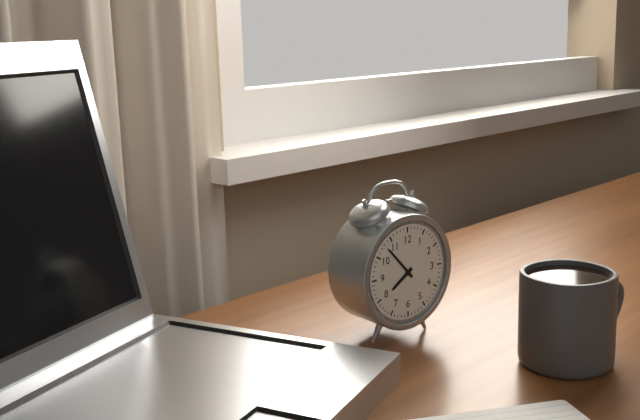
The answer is 7 h 53 min
